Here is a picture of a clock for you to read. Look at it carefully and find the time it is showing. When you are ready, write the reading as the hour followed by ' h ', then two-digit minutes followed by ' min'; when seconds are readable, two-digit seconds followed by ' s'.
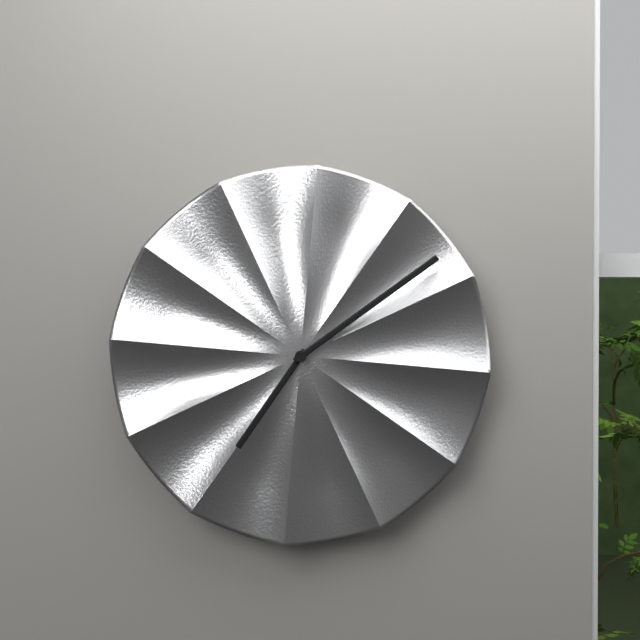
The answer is 7 h 09 min
